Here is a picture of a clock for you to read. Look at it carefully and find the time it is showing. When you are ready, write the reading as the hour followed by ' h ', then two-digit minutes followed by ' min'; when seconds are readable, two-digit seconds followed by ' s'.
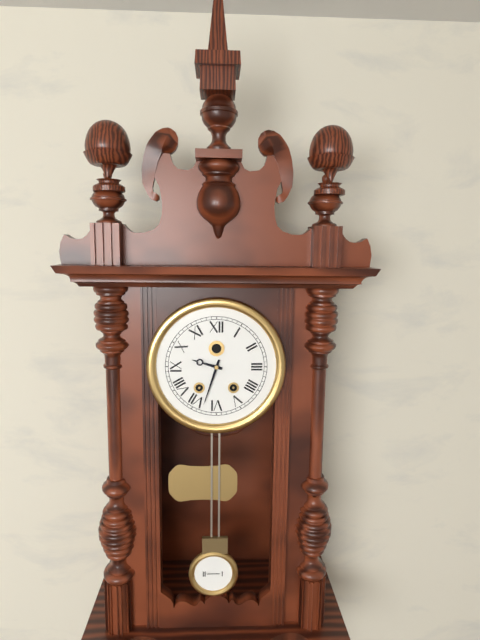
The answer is 9 h 33 min
